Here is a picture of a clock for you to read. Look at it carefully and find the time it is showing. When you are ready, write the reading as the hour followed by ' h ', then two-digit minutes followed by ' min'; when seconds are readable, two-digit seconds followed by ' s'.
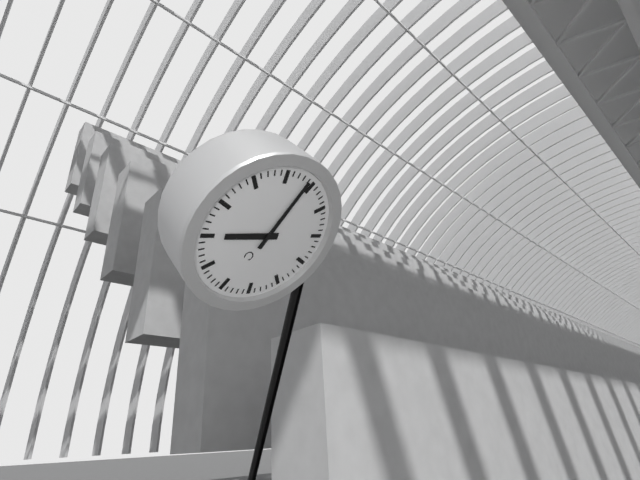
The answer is 7 h 59 min
